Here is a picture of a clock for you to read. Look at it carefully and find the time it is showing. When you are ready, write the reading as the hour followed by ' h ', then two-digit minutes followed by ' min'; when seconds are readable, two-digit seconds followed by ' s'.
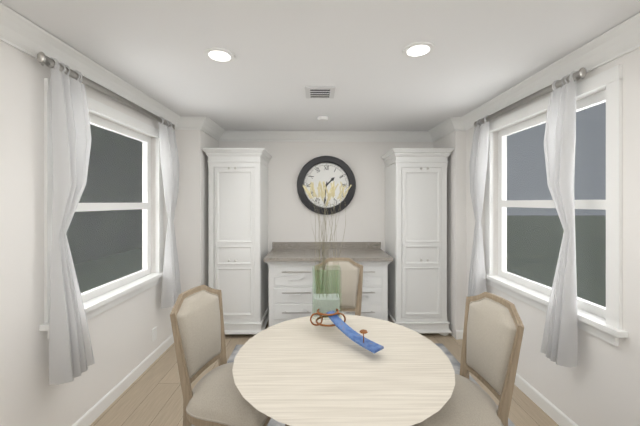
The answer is 1 h 31 min
